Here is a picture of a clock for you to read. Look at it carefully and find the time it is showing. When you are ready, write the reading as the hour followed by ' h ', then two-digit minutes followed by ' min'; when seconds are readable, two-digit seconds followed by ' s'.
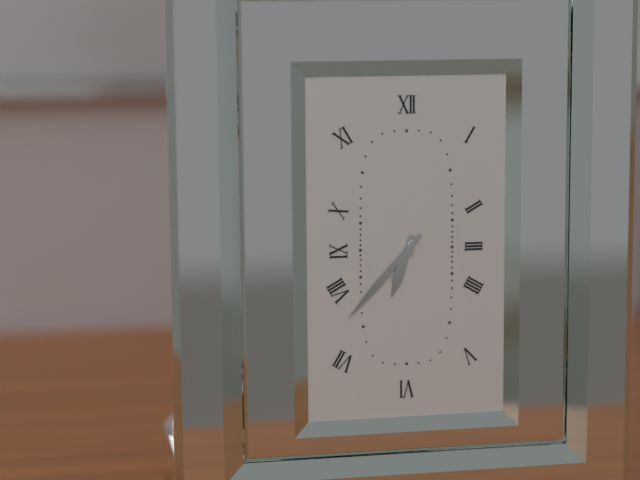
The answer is 6 h 37 min
